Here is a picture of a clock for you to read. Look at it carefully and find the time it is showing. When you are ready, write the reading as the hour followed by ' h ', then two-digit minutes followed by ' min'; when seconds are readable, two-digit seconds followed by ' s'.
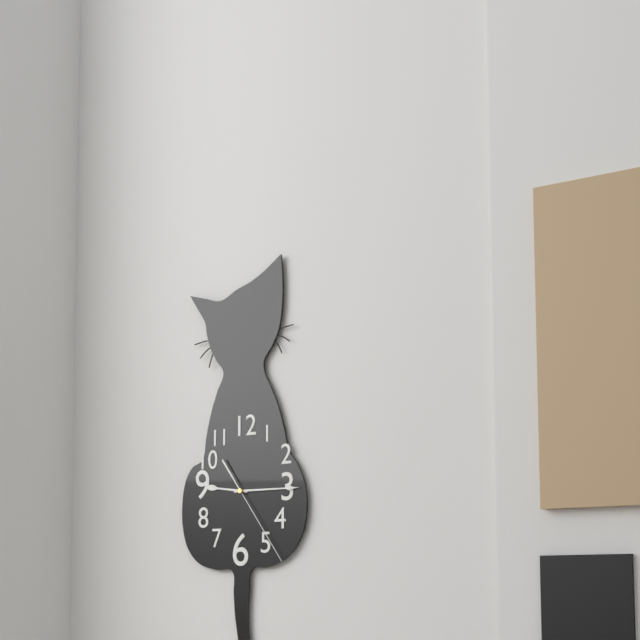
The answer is 9 h 15 min 24 s
